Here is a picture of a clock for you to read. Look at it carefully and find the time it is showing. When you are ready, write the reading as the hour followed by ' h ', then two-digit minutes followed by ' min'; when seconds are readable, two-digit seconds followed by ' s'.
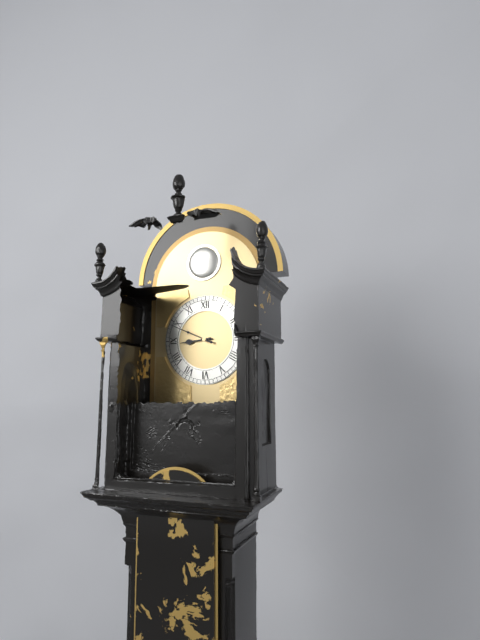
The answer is 8 h 49 min
